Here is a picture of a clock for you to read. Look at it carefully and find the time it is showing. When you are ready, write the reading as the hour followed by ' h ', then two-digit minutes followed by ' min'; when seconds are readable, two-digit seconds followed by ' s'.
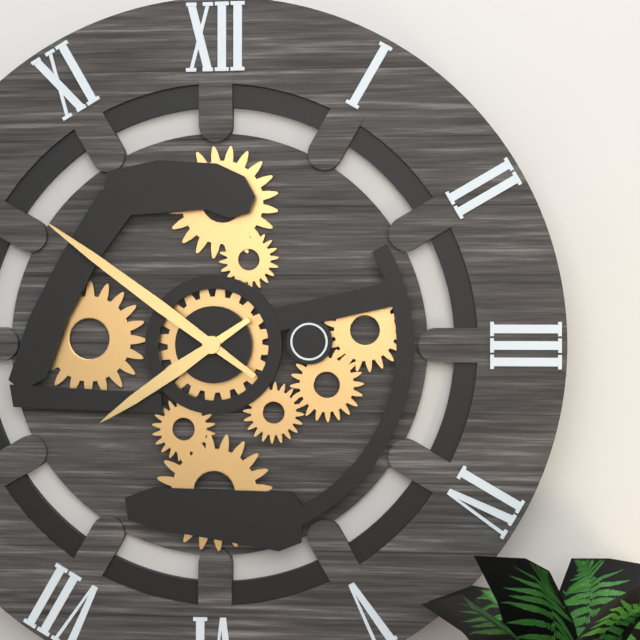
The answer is 7 h 51 min
